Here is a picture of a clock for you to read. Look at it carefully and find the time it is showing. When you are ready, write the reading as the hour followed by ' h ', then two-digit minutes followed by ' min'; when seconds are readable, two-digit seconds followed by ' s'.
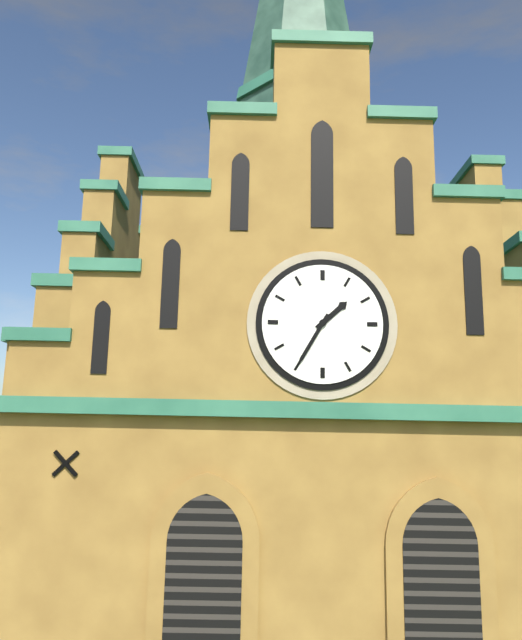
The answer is 1 h 35 min
